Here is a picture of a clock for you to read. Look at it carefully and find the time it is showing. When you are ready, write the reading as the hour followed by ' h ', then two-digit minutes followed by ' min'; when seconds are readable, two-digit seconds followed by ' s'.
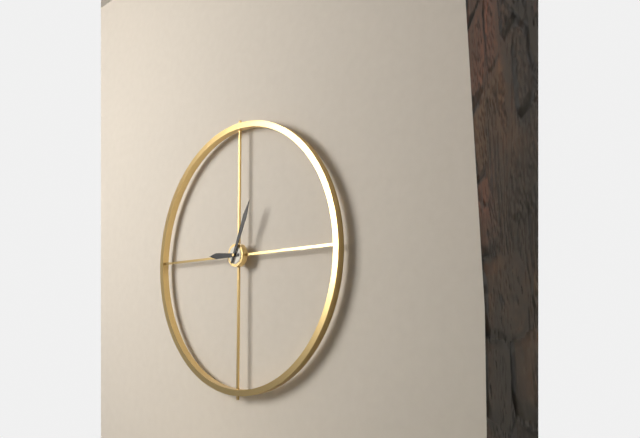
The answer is 9 h 04 min
